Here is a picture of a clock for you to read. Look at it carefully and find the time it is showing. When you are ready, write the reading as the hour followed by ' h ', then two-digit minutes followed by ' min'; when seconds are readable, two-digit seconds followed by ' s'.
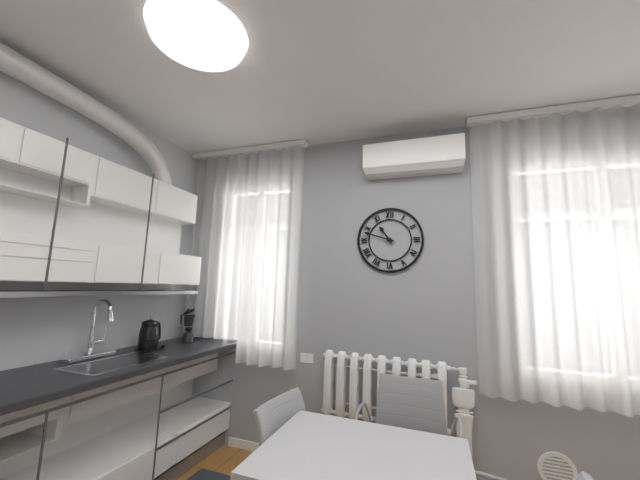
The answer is 10 h 48 min
